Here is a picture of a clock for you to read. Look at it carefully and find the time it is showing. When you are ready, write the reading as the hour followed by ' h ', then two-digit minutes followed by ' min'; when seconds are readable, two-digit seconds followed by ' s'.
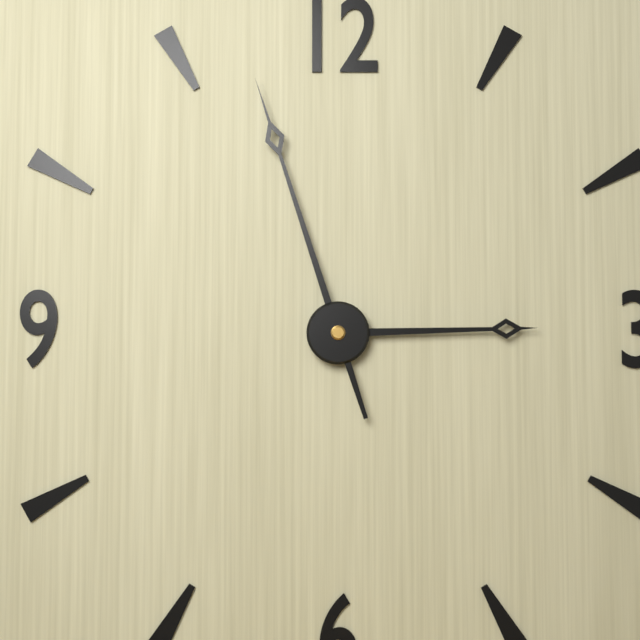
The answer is 2 h 57 min
